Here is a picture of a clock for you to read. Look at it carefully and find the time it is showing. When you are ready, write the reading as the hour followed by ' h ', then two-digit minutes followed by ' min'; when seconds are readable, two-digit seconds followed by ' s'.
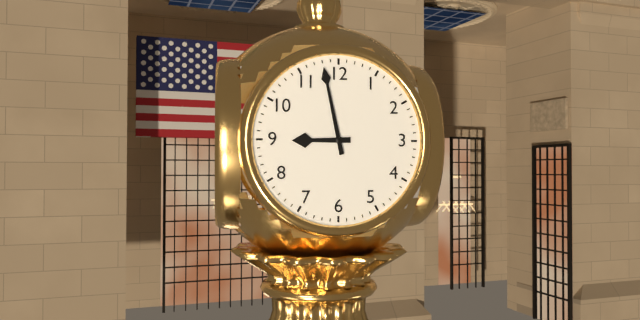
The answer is 8 h 58 min
